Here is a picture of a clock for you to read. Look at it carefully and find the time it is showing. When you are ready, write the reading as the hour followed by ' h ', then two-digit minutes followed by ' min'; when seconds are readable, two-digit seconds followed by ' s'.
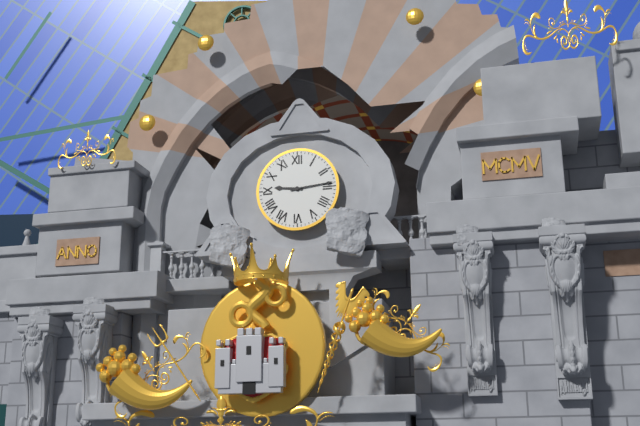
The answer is 9 h 14 min
